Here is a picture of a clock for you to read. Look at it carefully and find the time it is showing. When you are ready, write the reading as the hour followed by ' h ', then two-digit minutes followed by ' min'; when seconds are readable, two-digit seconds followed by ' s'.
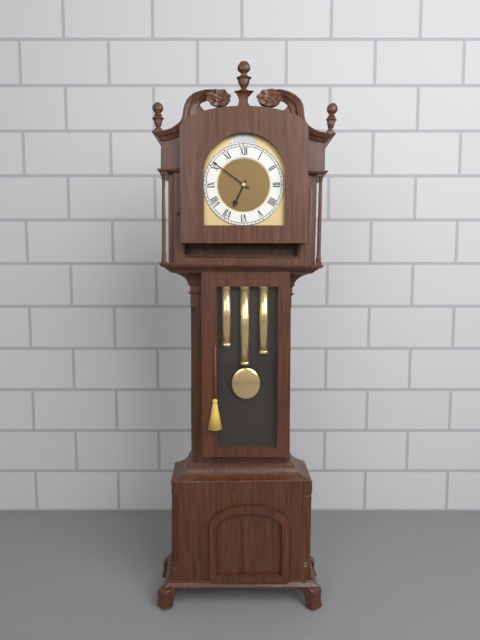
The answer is 6 h 51 min
